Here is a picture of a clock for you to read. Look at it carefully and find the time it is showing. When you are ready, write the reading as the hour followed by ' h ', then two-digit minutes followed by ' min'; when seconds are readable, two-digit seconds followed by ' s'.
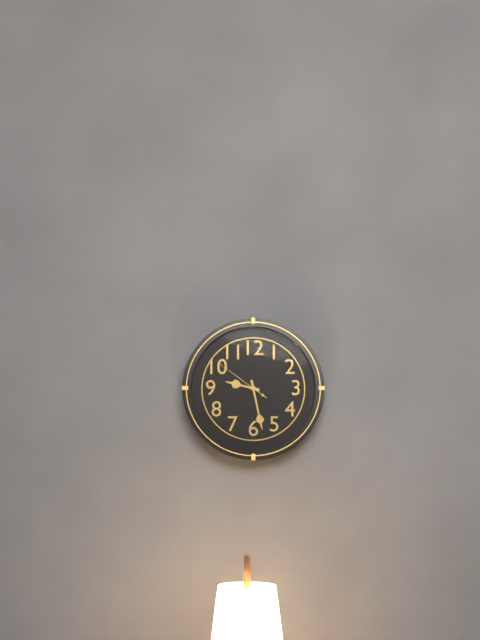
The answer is 9 h 28 min 51 s
